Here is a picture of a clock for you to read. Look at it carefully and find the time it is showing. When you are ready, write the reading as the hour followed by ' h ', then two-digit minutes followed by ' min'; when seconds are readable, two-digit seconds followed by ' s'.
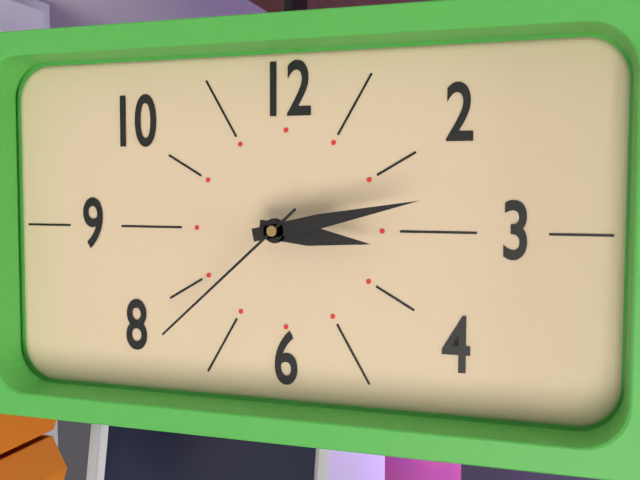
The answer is 3 h 13 min 38 s
